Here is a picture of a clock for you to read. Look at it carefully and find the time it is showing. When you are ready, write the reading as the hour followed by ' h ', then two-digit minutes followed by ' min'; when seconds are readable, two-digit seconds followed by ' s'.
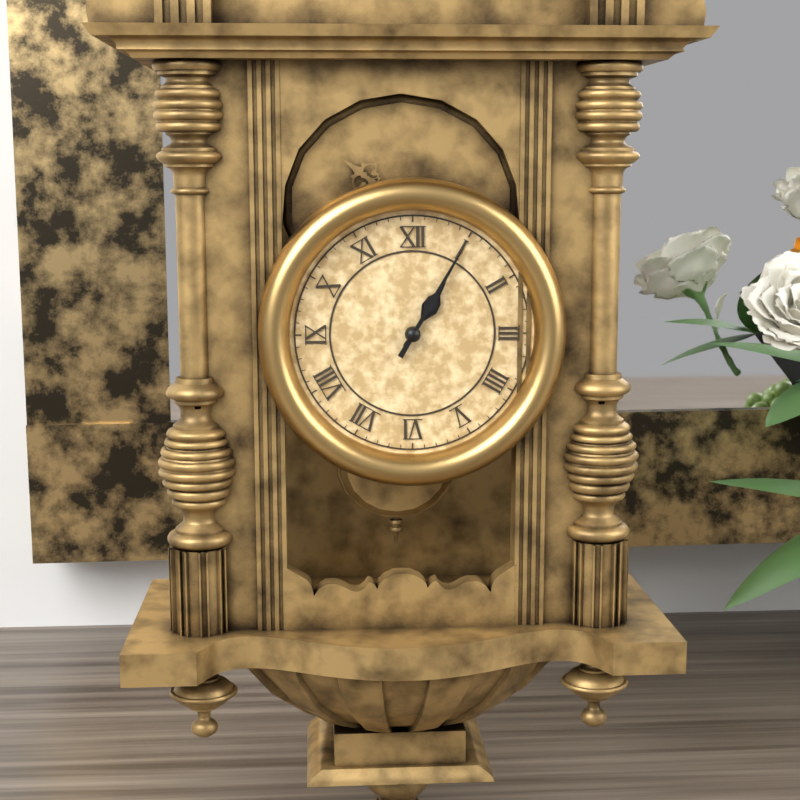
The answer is 1 h 05 min
